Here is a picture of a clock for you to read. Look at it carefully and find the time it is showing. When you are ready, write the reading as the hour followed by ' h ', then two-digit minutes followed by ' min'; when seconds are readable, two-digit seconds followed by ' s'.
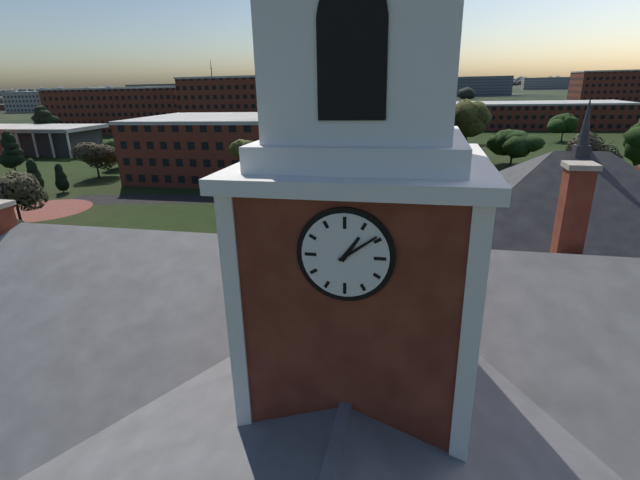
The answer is 1 h 09 min
